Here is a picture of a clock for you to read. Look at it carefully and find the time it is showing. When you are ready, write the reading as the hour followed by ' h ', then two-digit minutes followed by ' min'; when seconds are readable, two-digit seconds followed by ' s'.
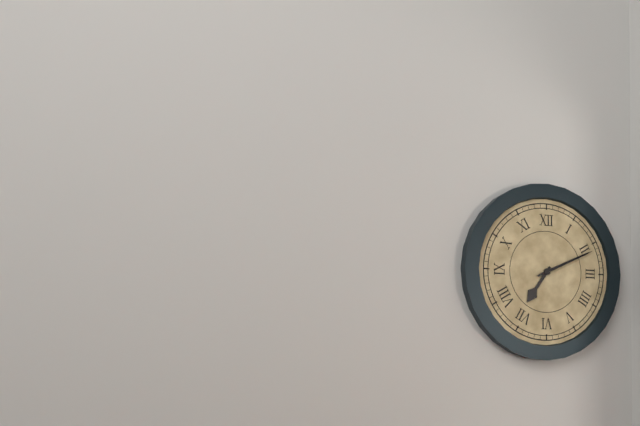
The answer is 7 h 11 min
